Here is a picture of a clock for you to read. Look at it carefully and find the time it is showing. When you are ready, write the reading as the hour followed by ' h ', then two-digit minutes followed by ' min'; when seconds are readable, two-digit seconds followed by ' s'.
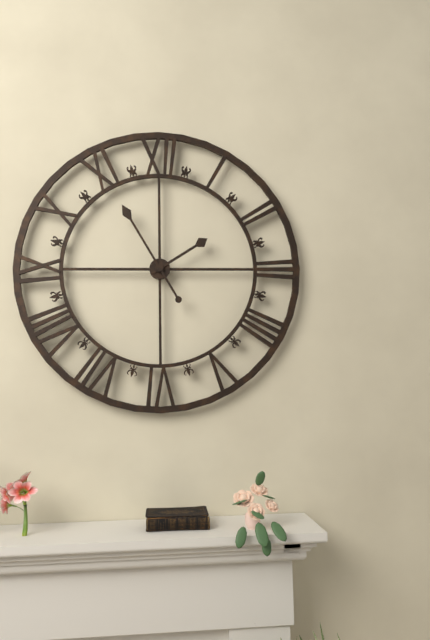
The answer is 1 h 55 min
